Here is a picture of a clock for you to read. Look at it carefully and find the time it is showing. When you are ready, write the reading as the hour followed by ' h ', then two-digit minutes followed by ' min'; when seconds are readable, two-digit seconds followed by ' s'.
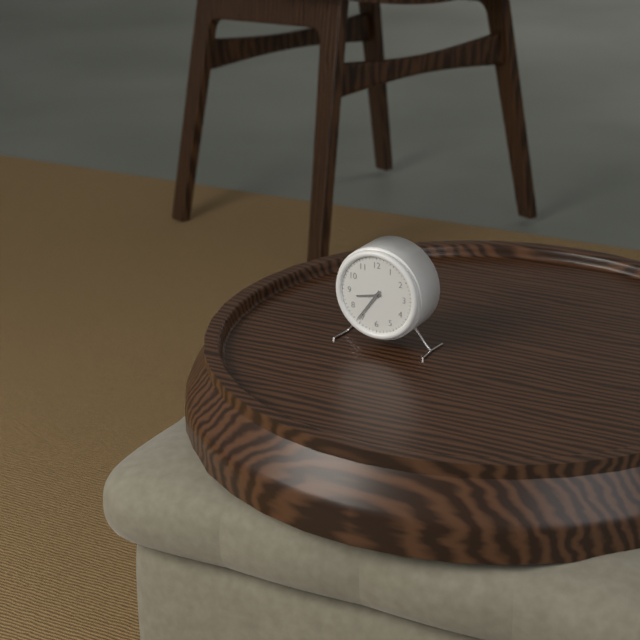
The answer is 8 h 36 min
